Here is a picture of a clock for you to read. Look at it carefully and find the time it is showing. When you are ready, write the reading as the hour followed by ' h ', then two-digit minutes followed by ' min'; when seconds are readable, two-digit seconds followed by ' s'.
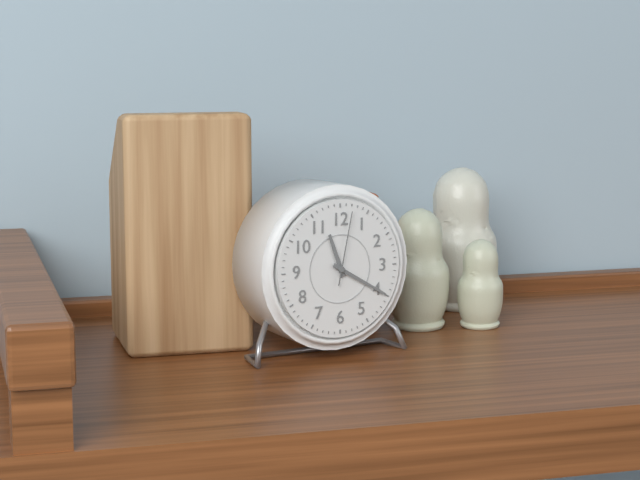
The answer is 11 h 20 min 02 s
